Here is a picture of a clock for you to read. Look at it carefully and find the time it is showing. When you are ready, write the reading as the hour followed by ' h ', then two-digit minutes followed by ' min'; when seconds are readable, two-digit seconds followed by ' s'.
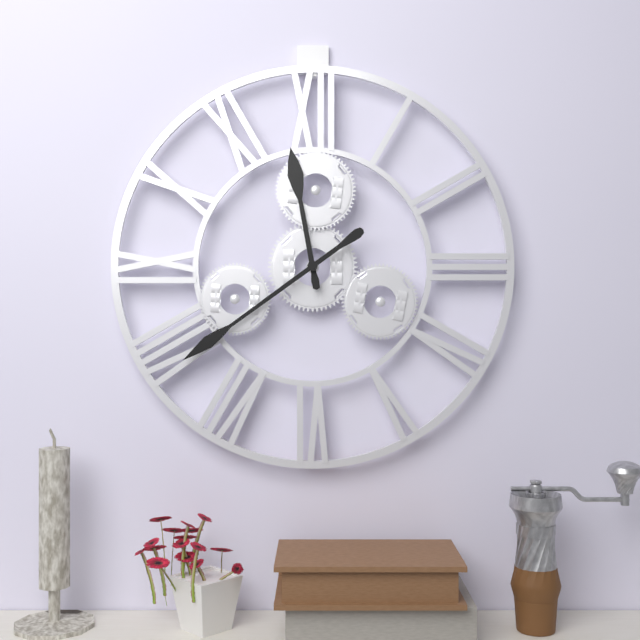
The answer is 11 h 39 min
